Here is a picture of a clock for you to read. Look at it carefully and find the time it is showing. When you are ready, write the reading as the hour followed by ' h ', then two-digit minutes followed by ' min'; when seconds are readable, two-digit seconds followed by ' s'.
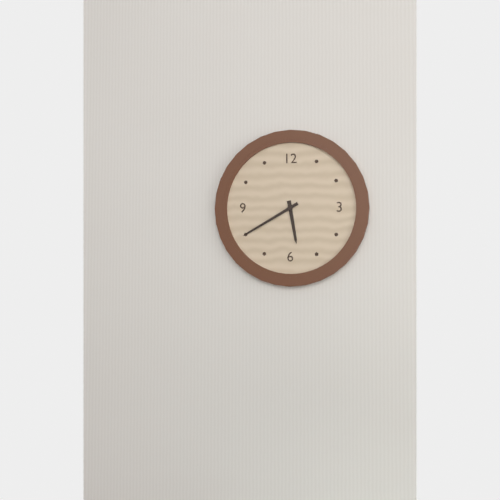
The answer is 5 h 40 min
